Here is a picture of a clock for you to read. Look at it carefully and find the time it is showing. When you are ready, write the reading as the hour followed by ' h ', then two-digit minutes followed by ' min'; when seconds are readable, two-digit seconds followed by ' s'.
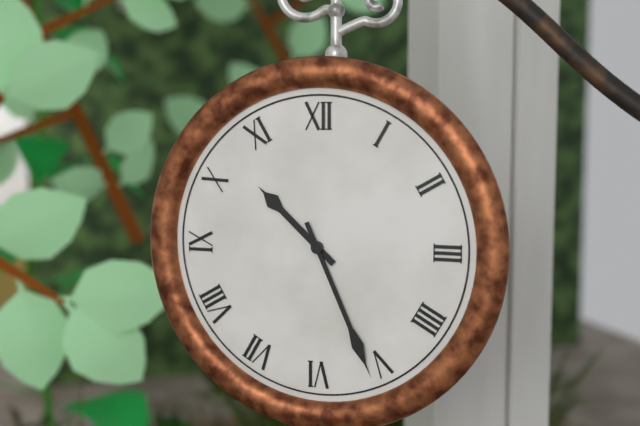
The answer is 10 h 26 min
